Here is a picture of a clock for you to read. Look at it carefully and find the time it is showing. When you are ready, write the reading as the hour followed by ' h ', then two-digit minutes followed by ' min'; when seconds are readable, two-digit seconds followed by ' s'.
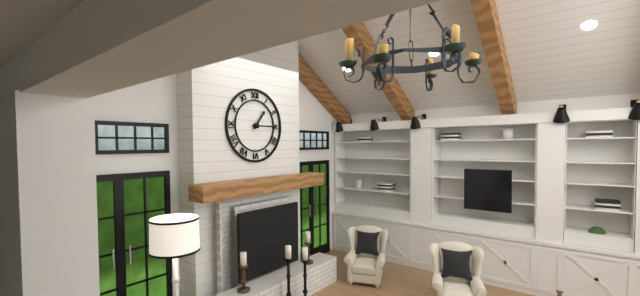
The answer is 1 h 15 min
